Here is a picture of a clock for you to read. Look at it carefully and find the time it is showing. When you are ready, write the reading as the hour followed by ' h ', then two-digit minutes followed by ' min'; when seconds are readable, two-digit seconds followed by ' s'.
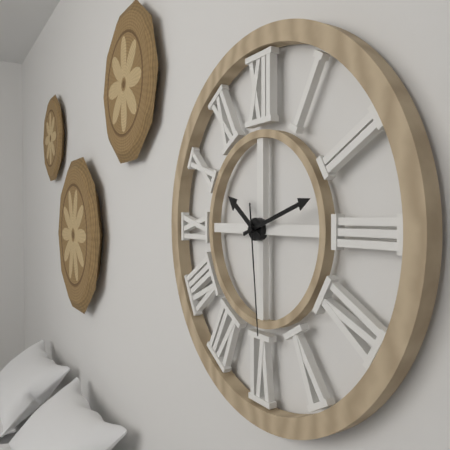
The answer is 10 h 12 min 29 s
